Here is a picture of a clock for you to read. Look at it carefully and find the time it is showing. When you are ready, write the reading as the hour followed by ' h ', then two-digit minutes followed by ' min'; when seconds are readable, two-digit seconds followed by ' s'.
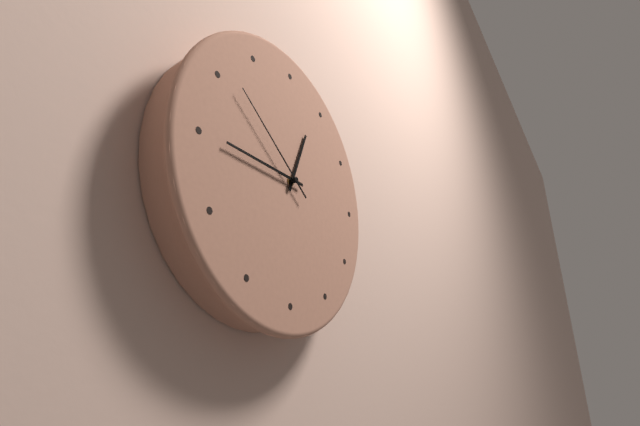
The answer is 12 h 45 min 51 s
